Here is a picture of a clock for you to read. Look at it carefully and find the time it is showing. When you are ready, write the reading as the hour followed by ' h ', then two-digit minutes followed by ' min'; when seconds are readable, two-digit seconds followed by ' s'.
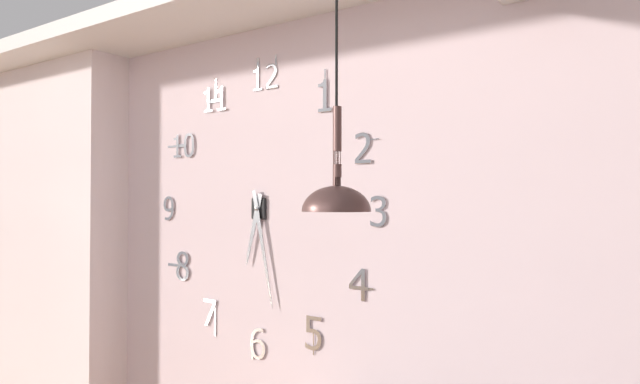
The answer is 6 h 28 min
